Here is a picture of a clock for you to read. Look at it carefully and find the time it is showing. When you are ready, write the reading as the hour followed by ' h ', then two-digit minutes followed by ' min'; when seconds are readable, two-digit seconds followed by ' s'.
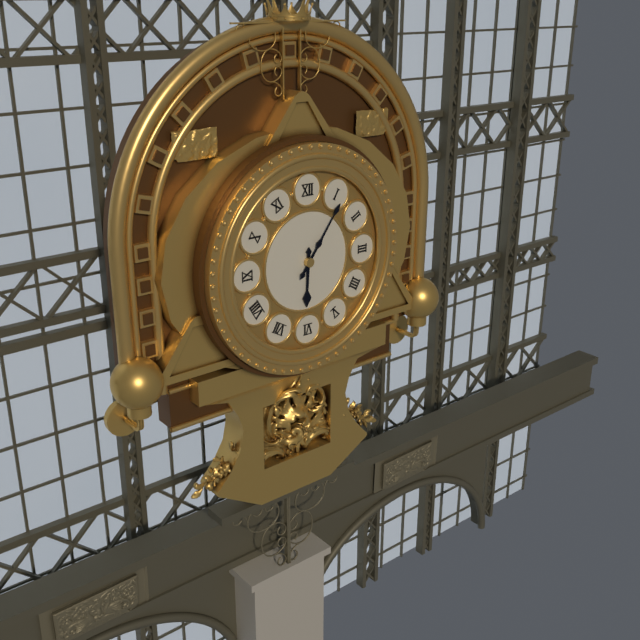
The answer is 6 h 06 min
